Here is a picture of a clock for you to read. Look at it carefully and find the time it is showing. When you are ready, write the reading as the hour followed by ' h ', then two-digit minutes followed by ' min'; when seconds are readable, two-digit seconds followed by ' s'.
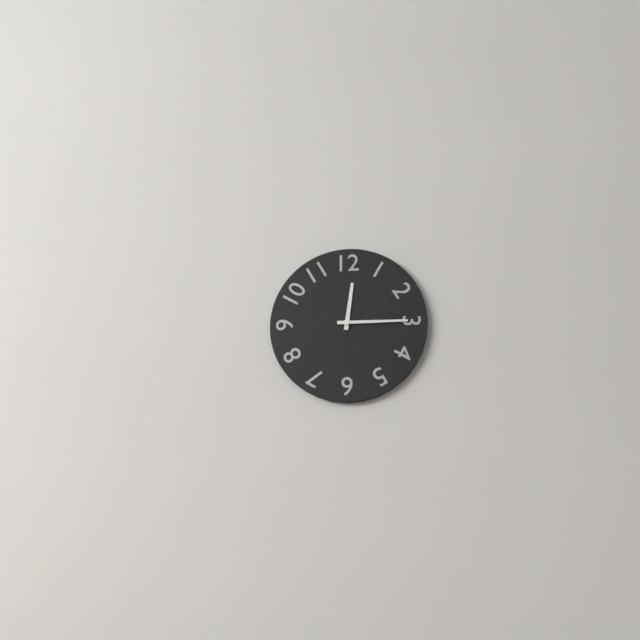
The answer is 12 h 15 min
